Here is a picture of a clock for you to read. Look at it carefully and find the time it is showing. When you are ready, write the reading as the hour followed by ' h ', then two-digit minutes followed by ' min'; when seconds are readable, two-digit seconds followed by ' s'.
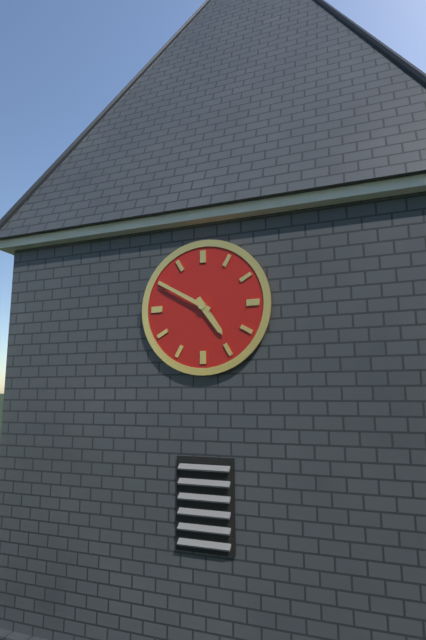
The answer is 4 h 50 min
